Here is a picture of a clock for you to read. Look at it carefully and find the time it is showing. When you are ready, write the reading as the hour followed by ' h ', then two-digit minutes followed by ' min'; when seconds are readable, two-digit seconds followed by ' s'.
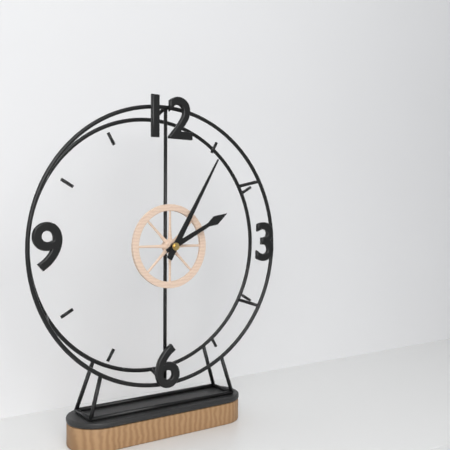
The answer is 2 h 05 min
